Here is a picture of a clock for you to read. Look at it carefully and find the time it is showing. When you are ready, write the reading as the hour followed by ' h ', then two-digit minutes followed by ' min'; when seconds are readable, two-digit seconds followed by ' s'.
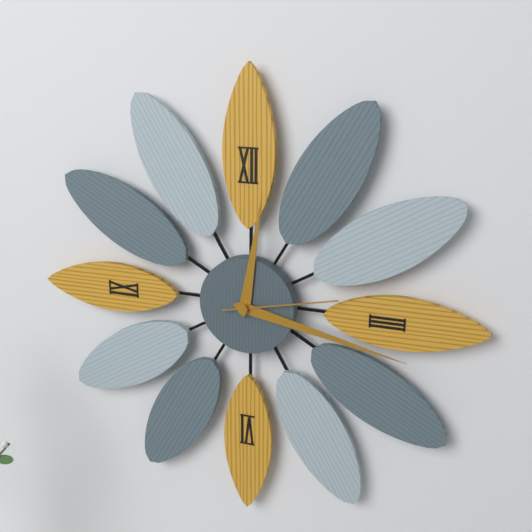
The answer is 12 h 17 min 13 s
